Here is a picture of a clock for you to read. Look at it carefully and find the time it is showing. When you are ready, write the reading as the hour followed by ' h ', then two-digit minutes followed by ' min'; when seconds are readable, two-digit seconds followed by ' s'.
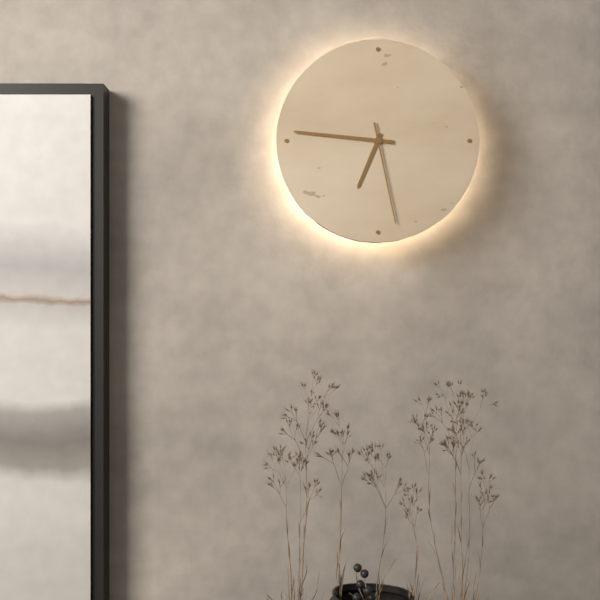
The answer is 6 h 46 min 28 s
